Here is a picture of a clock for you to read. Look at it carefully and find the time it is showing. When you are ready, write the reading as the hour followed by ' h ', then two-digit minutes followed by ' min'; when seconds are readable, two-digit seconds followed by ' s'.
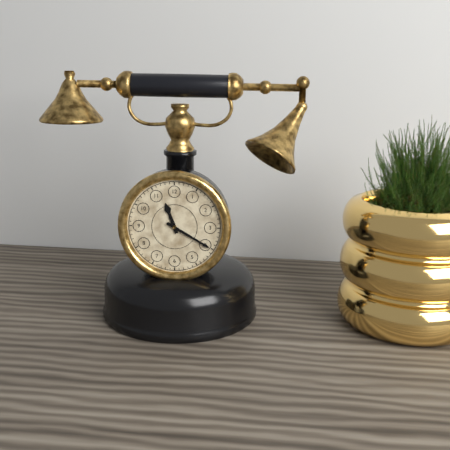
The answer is 11 h 20 min
